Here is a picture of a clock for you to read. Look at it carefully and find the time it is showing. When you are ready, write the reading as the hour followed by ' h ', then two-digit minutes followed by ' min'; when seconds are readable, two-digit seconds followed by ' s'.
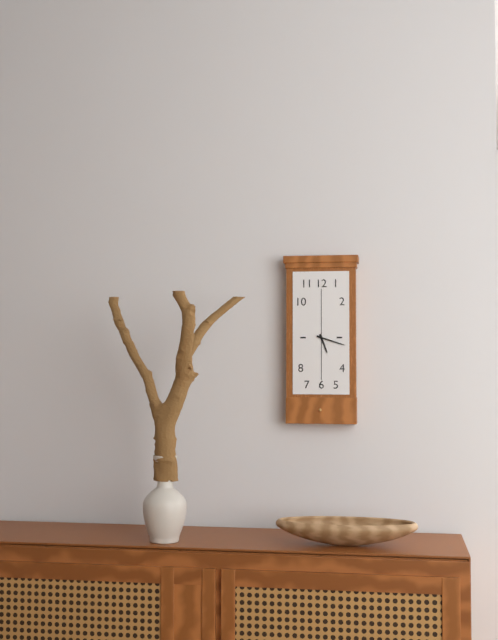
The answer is 5 h 18 min
